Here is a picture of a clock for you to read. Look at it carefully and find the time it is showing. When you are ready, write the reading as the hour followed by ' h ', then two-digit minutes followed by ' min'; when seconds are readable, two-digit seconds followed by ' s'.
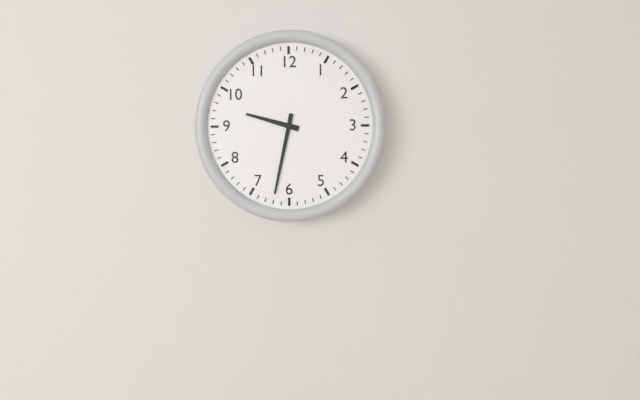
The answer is 9 h 32 min
